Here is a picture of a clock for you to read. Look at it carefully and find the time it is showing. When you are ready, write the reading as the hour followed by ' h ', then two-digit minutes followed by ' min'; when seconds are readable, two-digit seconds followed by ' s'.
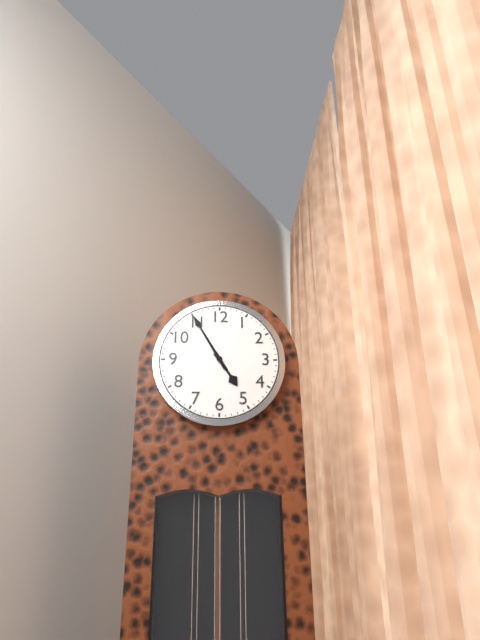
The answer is 4 h 55 min
